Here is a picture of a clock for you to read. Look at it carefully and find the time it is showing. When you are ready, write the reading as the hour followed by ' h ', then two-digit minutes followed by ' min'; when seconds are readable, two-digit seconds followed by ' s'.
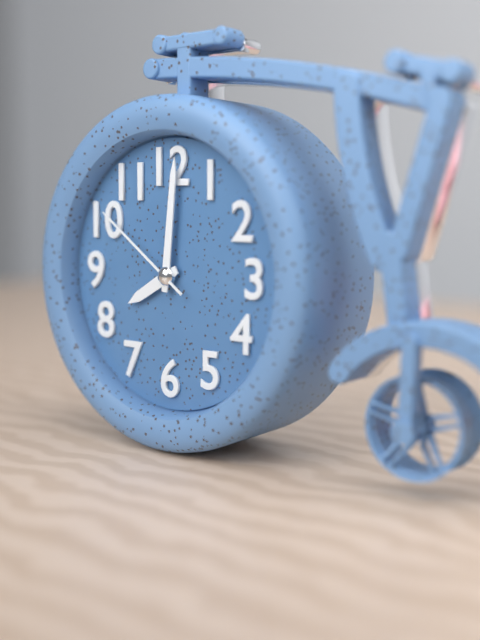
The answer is 8 h 01 min 51 s
